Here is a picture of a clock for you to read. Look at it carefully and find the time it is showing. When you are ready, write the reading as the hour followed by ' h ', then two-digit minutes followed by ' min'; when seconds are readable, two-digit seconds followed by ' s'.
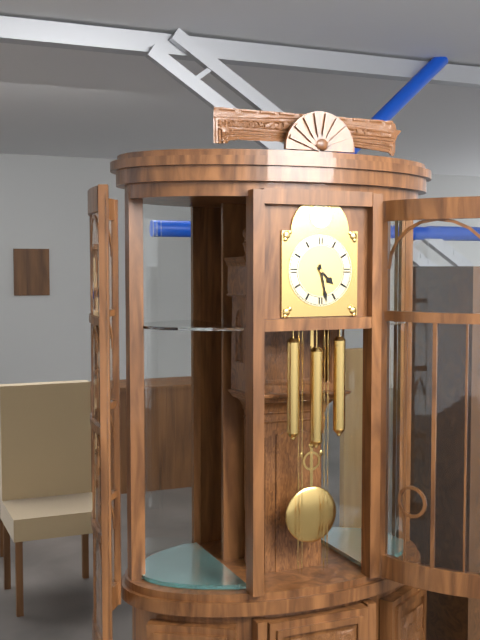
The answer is 4 h 28 min
